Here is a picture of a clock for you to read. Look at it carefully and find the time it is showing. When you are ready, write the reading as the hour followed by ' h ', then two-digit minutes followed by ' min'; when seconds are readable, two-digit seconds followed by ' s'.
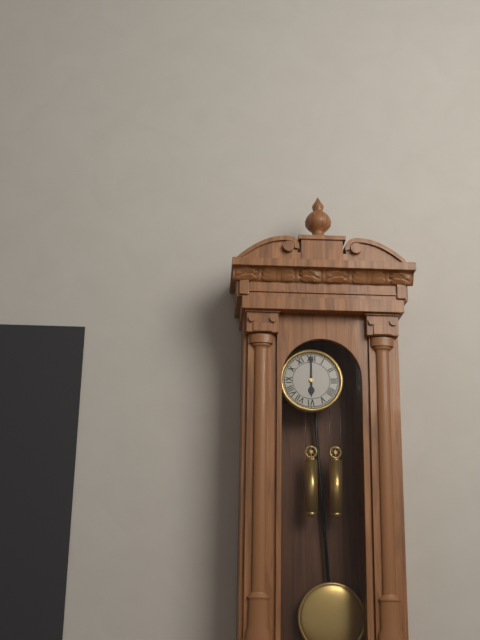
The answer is 6 h 00 min
